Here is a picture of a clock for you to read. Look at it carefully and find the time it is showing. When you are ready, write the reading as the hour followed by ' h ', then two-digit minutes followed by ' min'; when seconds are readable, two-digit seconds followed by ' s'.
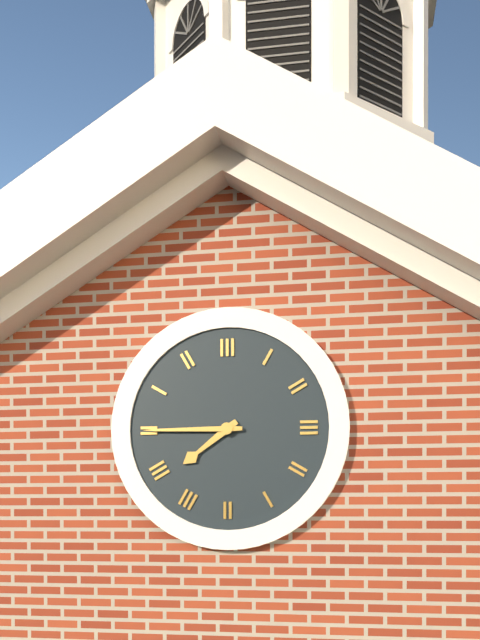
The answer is 7 h 45 min
